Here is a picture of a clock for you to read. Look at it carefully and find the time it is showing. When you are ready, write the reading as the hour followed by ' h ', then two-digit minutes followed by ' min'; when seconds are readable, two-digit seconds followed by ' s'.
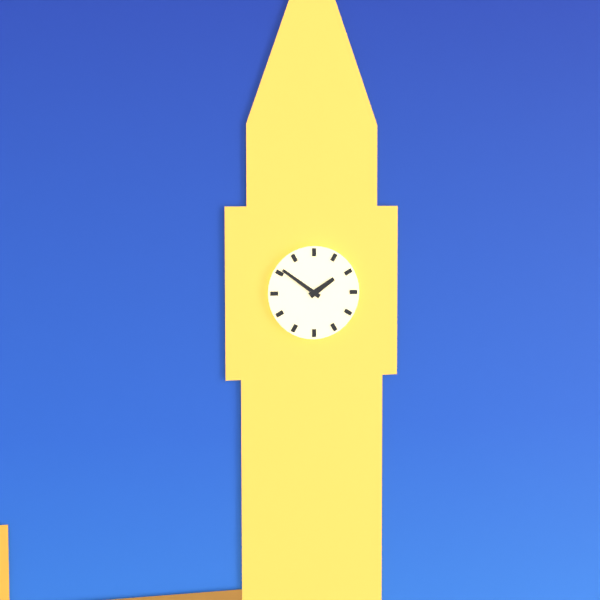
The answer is 1 h 51 min
